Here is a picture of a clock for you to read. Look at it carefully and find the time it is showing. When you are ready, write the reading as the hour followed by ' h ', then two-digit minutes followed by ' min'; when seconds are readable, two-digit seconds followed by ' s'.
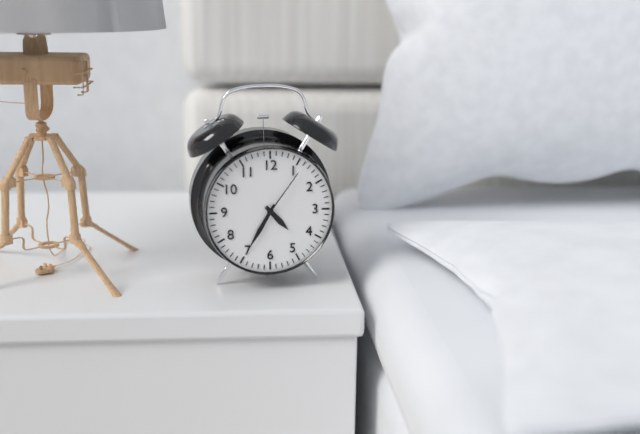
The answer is 4 h 35 min 06 s
